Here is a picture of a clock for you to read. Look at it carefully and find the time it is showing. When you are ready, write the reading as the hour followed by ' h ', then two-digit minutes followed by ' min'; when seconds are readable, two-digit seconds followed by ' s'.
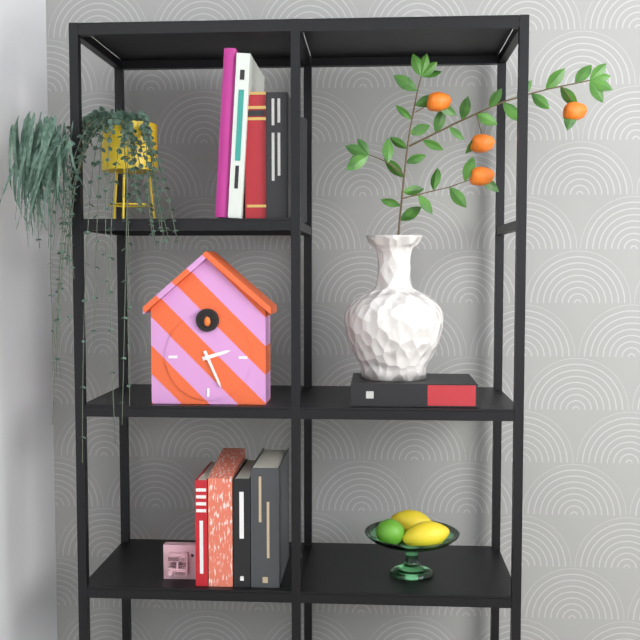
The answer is 2 h 26 min
